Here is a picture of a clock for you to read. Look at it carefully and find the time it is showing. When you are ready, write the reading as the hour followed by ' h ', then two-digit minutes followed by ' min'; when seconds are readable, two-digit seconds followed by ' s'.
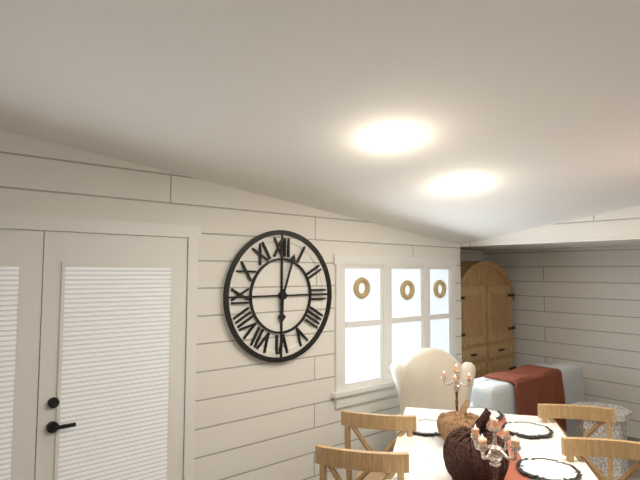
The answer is 6 h 03 min
